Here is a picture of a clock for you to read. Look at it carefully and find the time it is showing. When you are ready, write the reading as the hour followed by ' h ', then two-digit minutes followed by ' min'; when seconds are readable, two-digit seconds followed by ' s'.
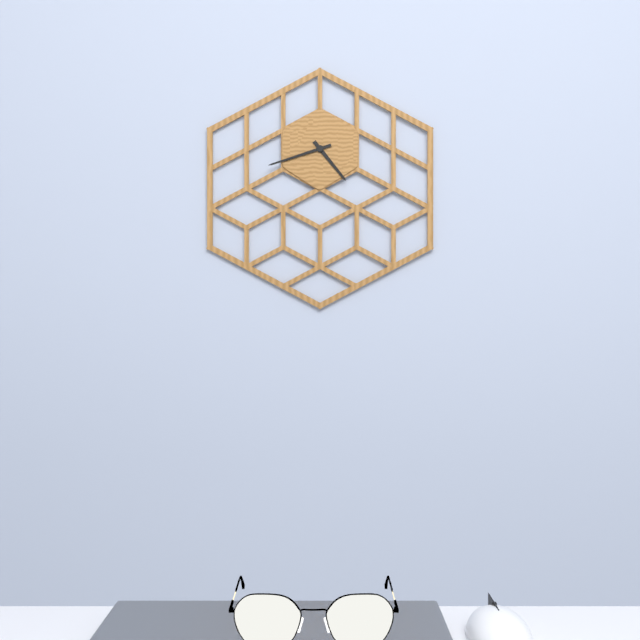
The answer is 4 h 42 min
